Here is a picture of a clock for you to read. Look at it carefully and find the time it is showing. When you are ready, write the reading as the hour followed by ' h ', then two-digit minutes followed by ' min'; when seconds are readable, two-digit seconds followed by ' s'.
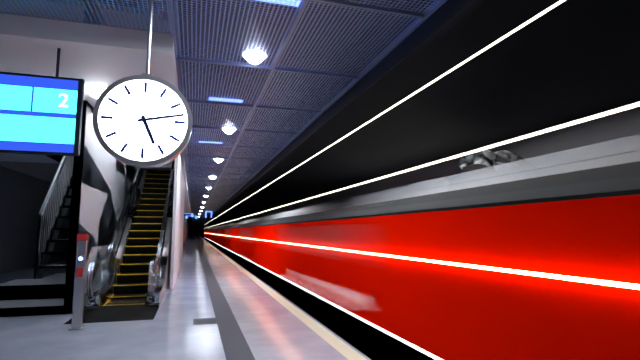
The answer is 5 h 13 min
